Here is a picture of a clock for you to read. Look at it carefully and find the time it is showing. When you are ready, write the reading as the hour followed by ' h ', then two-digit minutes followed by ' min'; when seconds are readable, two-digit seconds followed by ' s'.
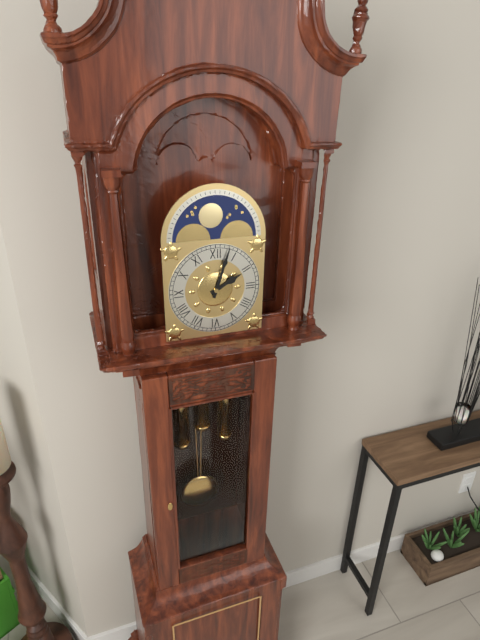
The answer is 2 h 03 min
